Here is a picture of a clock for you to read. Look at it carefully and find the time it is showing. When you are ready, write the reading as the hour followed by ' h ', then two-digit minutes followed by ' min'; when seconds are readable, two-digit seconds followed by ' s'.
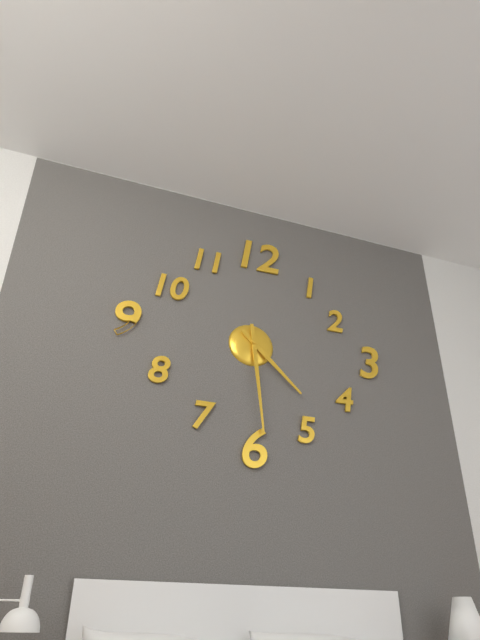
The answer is 4 h 29 min
